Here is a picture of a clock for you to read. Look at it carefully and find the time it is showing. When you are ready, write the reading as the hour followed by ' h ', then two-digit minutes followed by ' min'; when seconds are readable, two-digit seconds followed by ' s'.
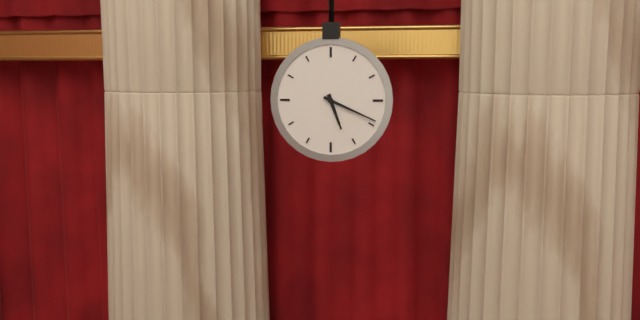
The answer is 5 h 19 min
